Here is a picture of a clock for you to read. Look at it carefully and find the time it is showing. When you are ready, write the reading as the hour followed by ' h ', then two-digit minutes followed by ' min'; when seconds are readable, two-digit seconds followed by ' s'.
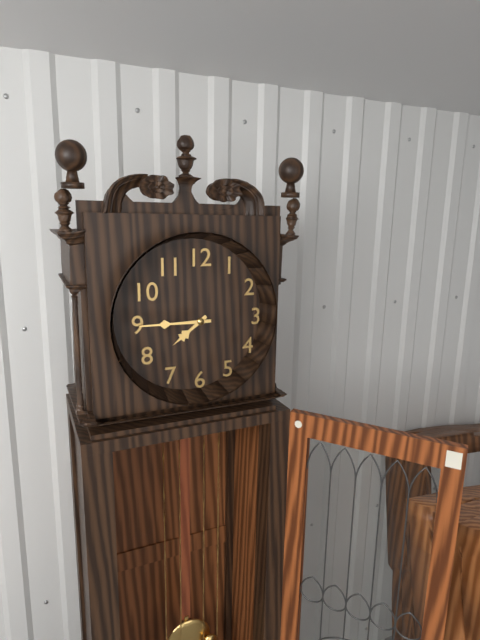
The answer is 7 h 45 min
